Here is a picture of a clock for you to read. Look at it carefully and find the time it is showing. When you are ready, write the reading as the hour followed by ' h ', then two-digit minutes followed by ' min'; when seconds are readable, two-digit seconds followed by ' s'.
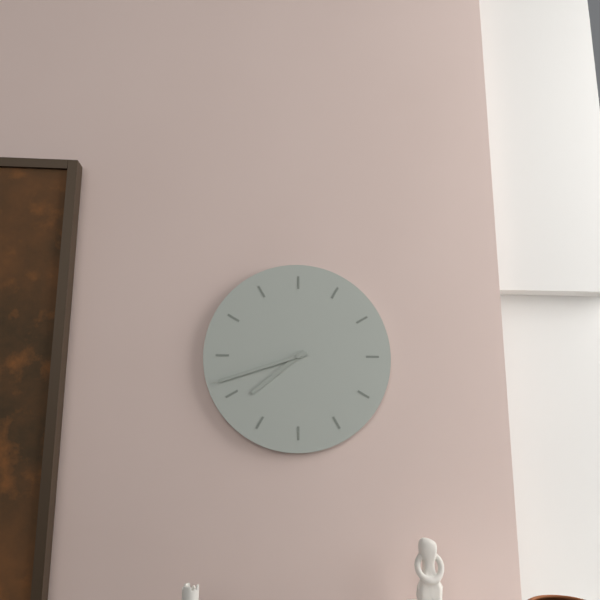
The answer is 7 h 42 min
